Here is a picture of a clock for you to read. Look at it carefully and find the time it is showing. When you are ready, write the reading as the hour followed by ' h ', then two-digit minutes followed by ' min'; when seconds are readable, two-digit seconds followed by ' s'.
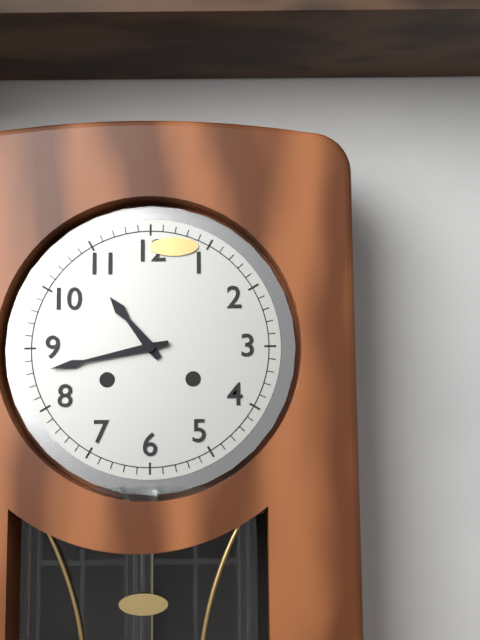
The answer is 10 h 43 min
